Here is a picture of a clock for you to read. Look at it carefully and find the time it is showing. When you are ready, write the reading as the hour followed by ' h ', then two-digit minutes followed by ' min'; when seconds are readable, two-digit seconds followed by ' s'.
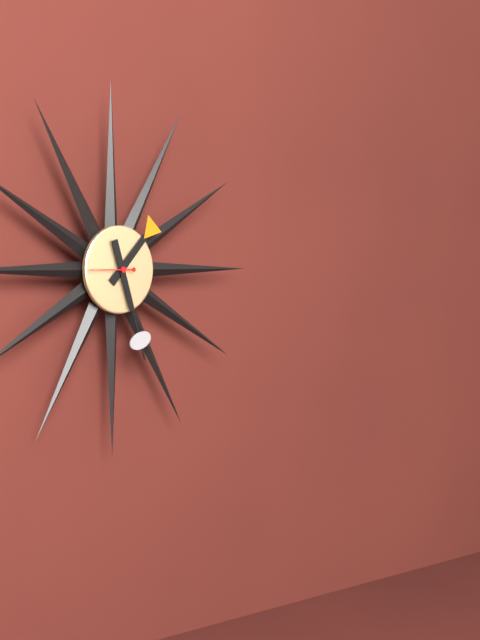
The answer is 1 h 27 min
